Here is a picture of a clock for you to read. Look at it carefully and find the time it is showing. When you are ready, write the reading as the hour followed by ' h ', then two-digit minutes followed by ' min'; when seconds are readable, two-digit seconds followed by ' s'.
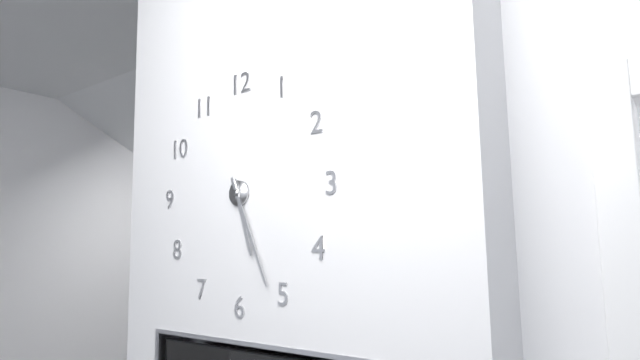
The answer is 5 h 26 min
